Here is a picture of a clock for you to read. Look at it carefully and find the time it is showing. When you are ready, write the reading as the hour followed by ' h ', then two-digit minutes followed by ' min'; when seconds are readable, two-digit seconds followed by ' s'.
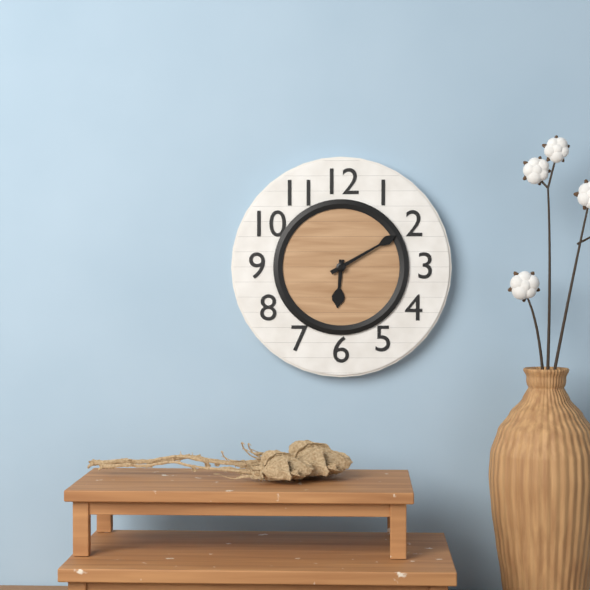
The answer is 6 h 10 min
